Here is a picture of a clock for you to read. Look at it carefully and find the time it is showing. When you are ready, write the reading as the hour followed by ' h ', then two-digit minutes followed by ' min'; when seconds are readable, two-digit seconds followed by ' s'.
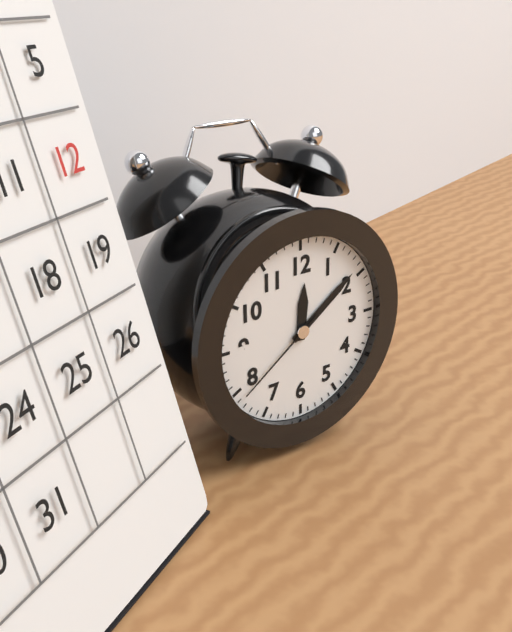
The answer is 12 h 09 min 39 s
